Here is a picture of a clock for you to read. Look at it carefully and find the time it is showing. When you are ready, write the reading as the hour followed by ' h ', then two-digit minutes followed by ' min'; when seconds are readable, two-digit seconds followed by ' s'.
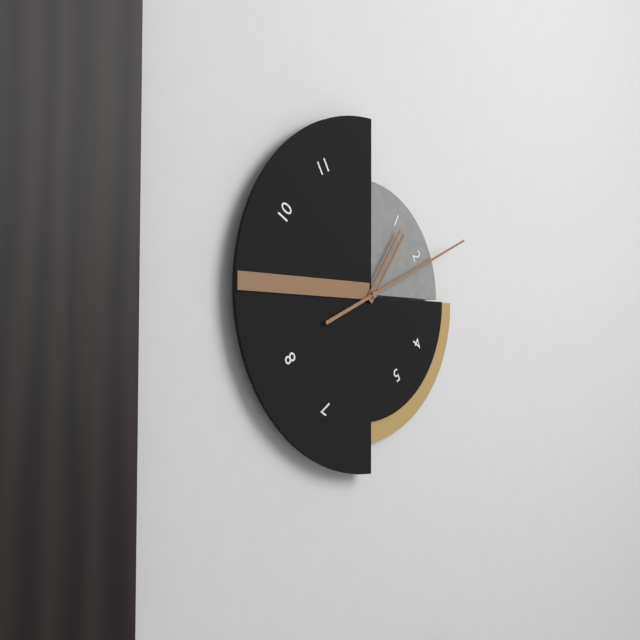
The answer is 1 h 11 min
